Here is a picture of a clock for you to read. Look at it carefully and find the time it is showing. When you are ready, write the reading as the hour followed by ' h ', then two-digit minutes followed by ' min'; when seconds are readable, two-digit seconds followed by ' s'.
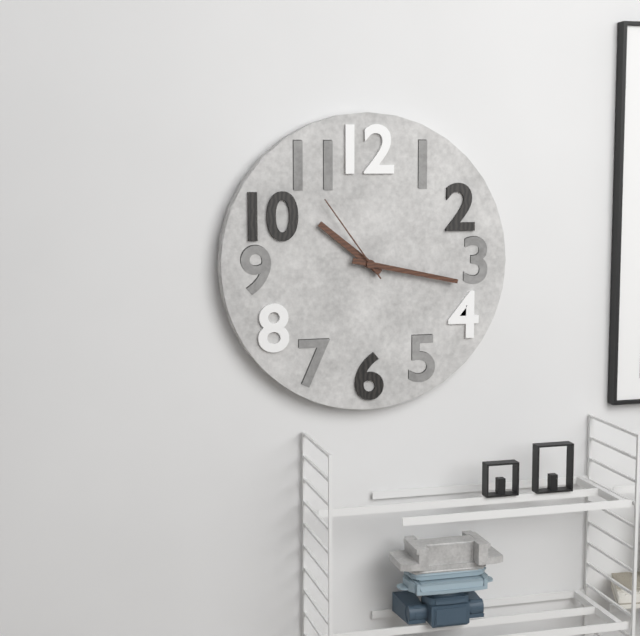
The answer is 10 h 17 min 54 s
